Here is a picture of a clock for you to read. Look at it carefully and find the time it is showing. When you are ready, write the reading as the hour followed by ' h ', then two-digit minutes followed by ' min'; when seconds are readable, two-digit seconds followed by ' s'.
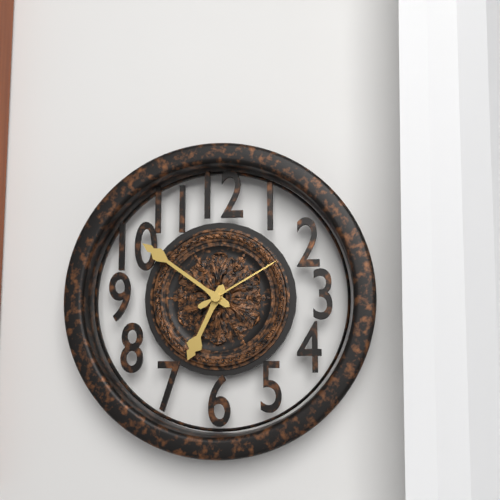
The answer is 6 h 51 min 10 s
